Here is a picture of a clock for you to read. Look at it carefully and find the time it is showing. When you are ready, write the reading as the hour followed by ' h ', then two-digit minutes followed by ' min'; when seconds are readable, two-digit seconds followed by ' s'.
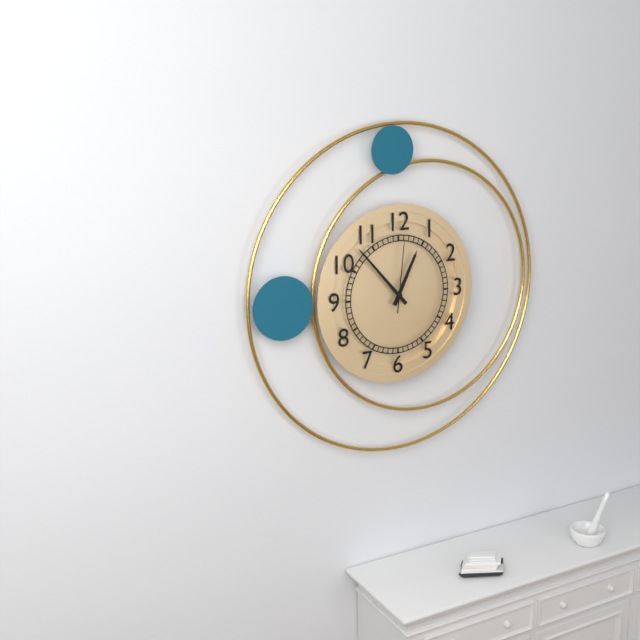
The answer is 12 h 53 min 01 s
